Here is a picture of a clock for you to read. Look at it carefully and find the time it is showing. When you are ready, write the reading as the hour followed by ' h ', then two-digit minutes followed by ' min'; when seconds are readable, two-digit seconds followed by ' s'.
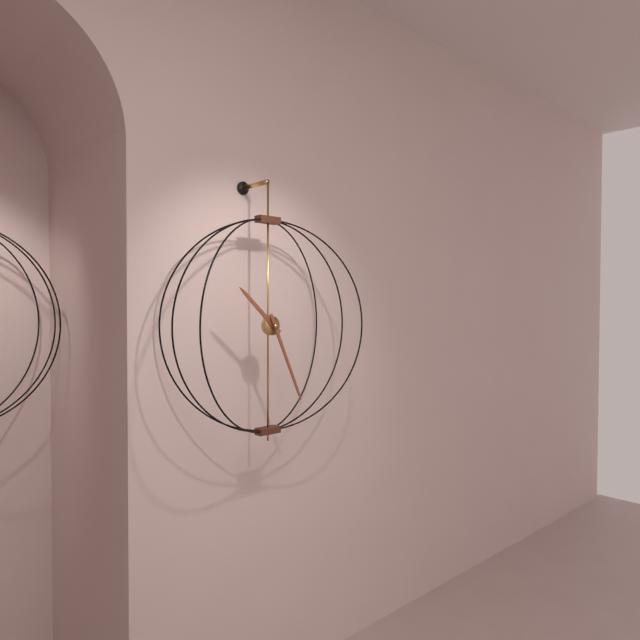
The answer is 10 h 26 min
